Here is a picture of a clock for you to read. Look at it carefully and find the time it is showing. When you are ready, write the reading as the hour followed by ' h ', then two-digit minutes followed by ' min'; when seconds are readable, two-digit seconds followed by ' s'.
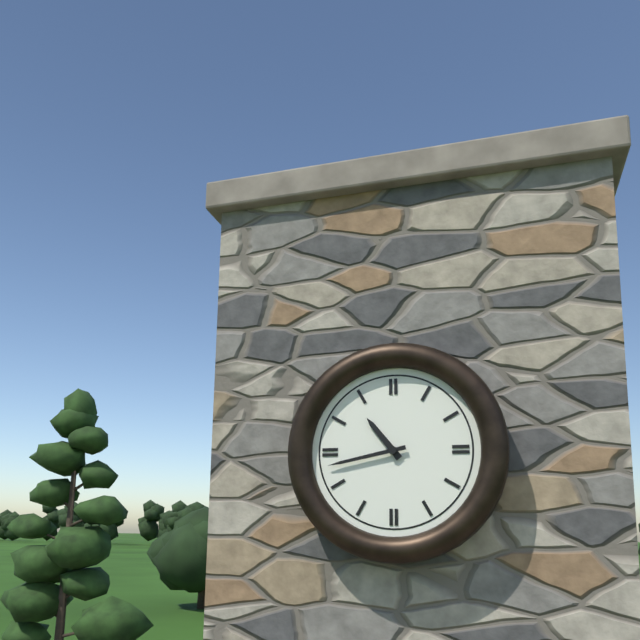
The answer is 10 h 43 min
